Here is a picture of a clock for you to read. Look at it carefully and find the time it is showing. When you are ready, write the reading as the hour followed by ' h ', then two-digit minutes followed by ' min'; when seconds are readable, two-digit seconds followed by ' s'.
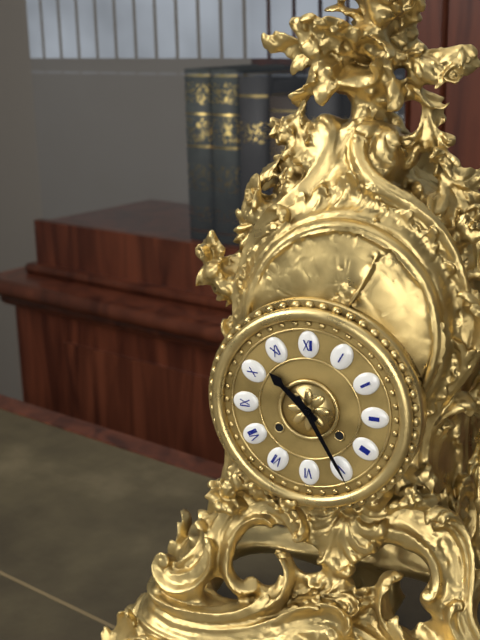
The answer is 10 h 25 min
